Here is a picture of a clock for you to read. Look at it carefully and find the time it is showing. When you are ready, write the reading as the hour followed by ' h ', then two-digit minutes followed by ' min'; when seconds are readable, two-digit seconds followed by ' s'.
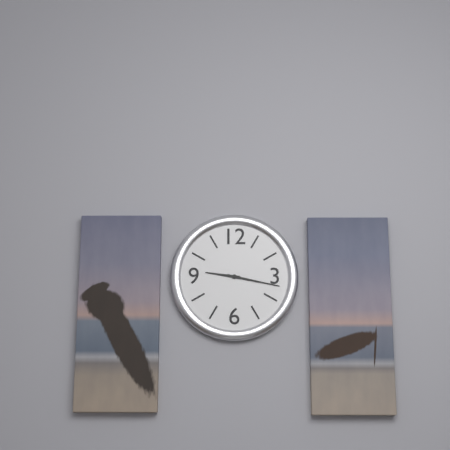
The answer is 9 h 17 min
